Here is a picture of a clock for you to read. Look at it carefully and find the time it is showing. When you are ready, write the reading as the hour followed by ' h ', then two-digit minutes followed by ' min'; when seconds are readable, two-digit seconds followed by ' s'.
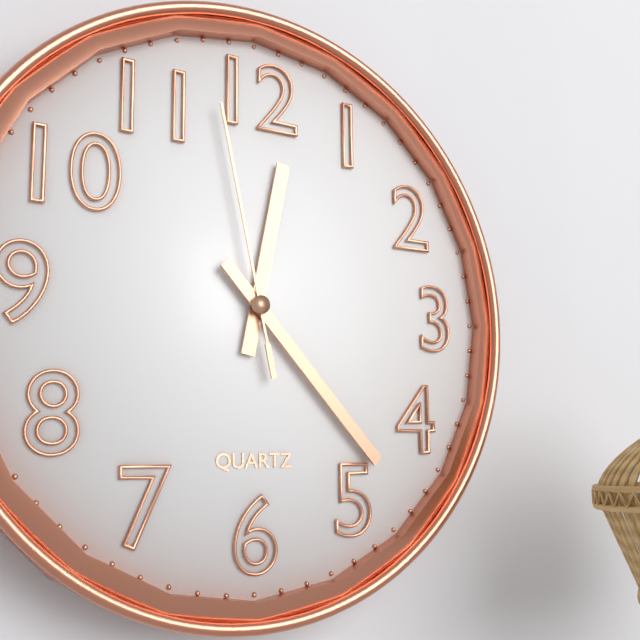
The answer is 12 h 23 min 58 s
